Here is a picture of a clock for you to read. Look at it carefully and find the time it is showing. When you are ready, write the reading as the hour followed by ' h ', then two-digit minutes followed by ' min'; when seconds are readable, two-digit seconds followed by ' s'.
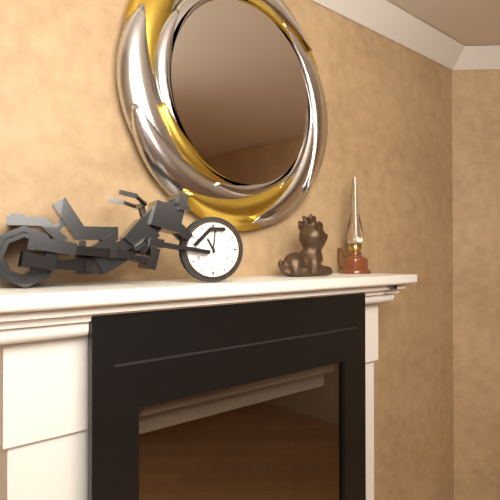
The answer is 11 h 01 min
